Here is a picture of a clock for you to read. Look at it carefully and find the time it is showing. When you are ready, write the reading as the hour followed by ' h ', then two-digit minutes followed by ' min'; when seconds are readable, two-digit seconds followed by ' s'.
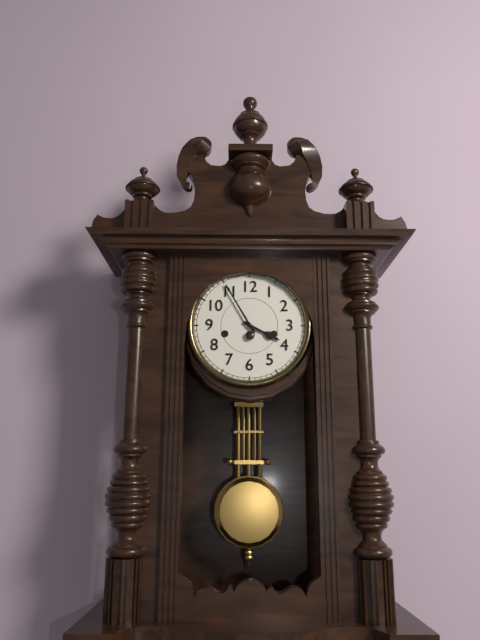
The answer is 3 h 55 min
